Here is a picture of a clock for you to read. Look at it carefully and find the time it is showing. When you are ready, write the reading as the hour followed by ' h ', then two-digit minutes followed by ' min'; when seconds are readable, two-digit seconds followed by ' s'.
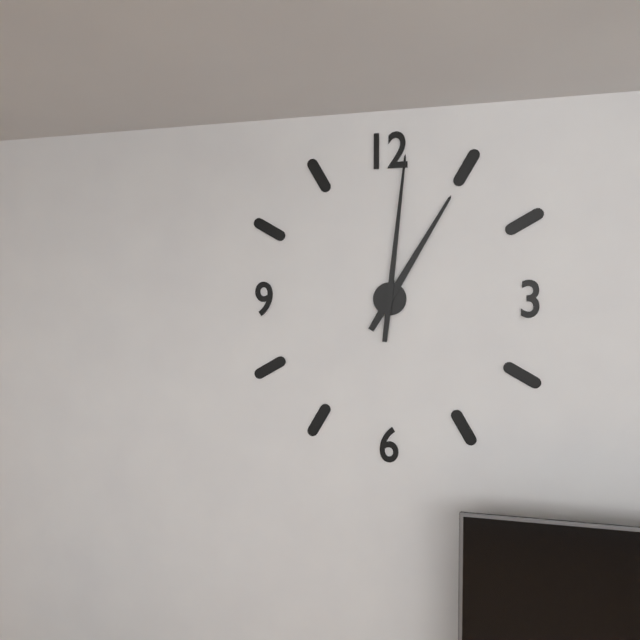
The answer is 1 h 01 min
